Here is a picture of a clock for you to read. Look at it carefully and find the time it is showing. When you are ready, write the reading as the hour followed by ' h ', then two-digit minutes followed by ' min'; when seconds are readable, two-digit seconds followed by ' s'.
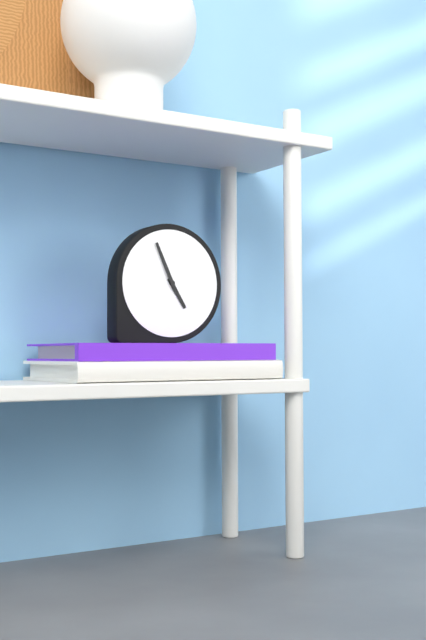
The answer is 4 h 56 min
